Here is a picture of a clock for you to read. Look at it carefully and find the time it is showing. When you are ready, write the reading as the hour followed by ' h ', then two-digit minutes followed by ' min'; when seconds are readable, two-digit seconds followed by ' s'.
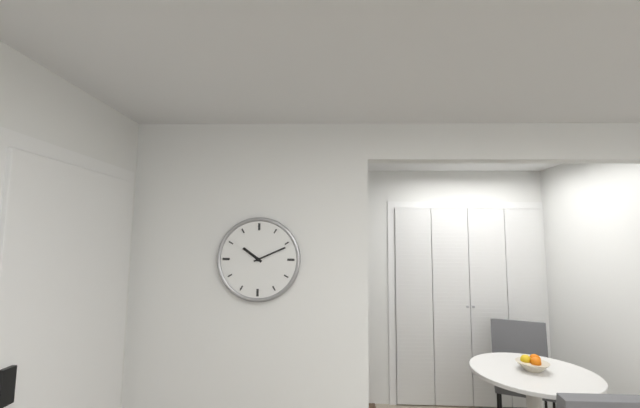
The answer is 10 h 11 min
